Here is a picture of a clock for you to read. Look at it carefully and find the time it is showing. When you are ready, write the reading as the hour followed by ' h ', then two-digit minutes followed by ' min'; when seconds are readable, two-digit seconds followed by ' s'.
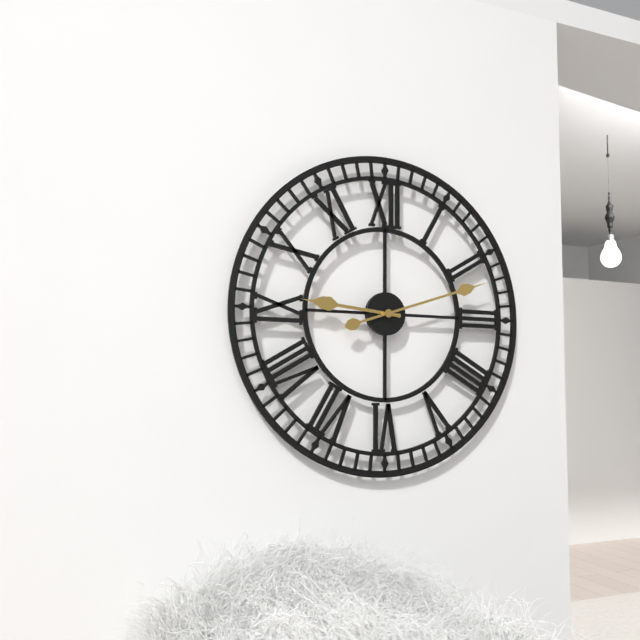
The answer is 9 h 12 min
